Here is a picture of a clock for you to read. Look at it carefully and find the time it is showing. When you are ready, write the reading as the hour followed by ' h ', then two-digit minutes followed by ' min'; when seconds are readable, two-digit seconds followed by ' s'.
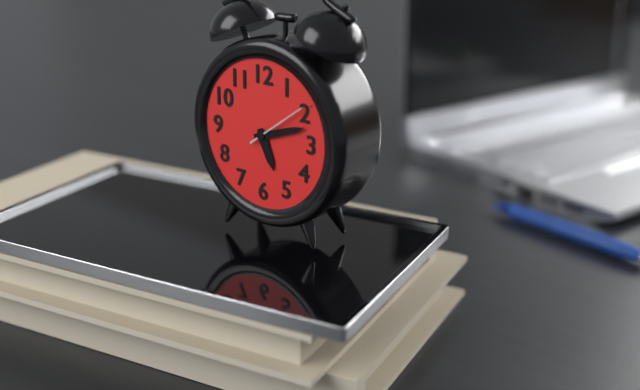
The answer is 5 h 12 min 09 s
